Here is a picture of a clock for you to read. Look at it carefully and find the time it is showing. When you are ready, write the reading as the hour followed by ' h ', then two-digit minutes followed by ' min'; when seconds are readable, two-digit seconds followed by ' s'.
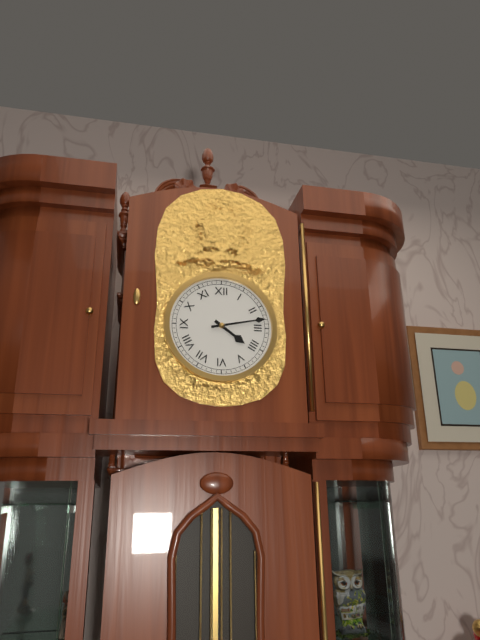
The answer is 4 h 13 min
